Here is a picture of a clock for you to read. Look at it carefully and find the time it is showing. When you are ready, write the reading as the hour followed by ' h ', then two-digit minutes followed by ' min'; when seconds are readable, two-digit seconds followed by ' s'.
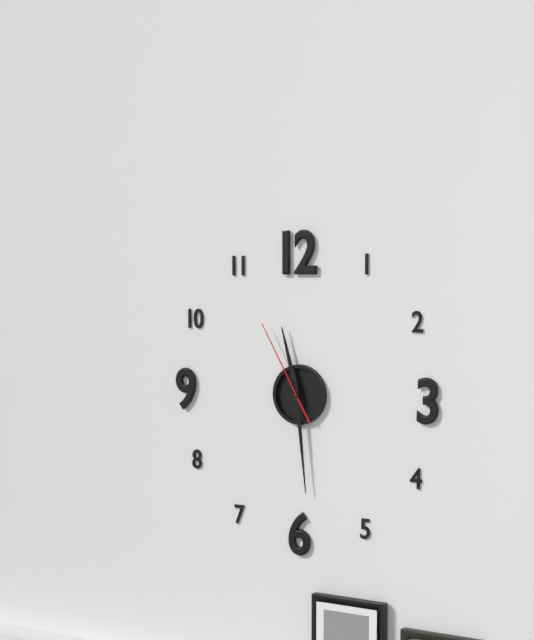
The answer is 11 h 29 min 55 s
